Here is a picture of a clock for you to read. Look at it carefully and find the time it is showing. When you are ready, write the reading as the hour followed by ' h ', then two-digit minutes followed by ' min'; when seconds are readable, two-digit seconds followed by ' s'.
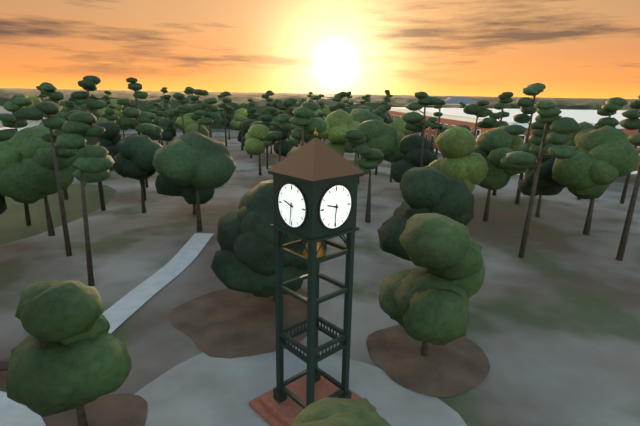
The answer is 9 h 31 min
